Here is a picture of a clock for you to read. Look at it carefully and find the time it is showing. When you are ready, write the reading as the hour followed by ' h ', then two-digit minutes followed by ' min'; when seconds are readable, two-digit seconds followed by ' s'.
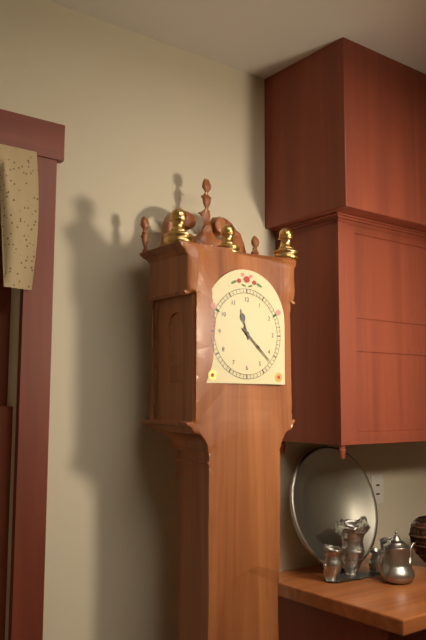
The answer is 11 h 22 min
